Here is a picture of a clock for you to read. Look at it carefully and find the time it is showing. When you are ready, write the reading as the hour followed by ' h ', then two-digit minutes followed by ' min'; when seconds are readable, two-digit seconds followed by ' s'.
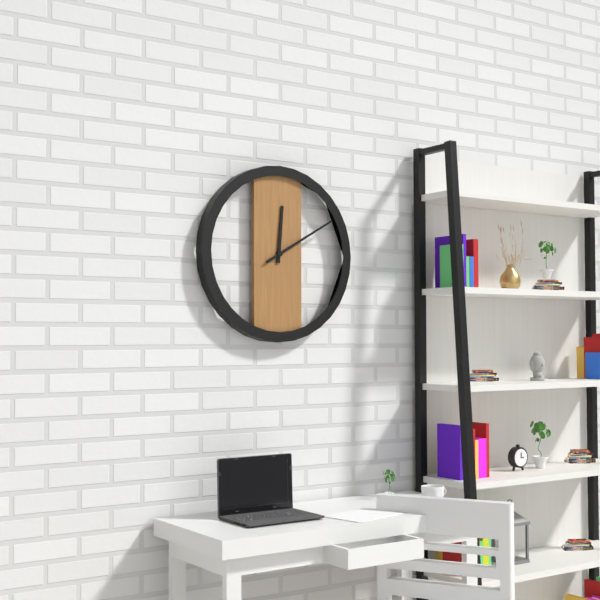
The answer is 12 h 10 min
